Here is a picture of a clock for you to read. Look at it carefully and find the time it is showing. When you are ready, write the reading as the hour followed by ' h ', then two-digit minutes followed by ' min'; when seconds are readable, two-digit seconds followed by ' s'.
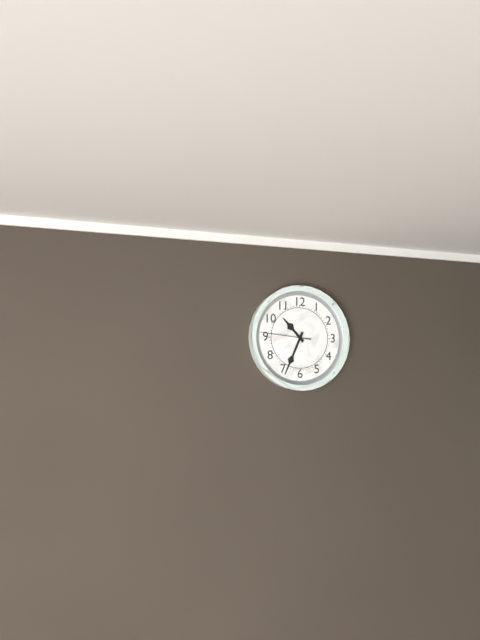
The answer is 10 h 34 min 46 s
